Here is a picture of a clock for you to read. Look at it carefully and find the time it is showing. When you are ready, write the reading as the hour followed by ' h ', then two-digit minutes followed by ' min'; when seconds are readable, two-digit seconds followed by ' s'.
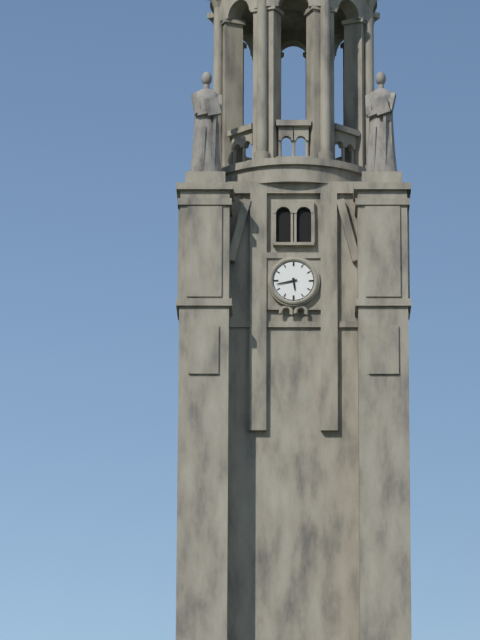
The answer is 5 h 43 min
